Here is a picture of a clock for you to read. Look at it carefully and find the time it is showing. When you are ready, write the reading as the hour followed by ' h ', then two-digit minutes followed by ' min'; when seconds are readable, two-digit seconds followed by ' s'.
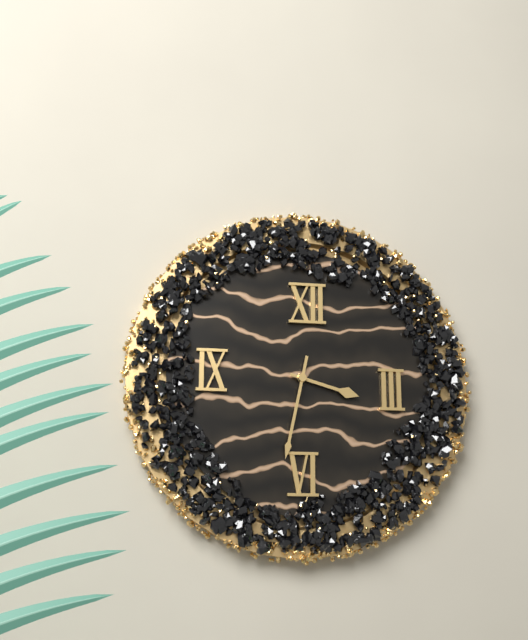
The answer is 3 h 32 min
